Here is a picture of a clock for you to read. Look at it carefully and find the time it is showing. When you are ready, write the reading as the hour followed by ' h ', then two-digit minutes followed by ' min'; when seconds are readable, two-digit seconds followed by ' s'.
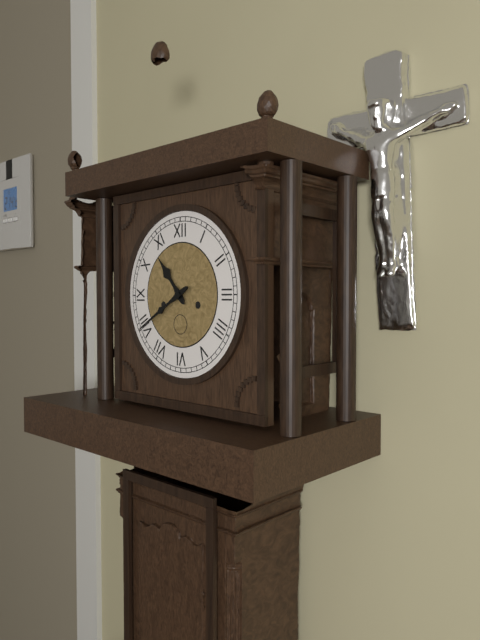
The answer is 10 h 40 min
